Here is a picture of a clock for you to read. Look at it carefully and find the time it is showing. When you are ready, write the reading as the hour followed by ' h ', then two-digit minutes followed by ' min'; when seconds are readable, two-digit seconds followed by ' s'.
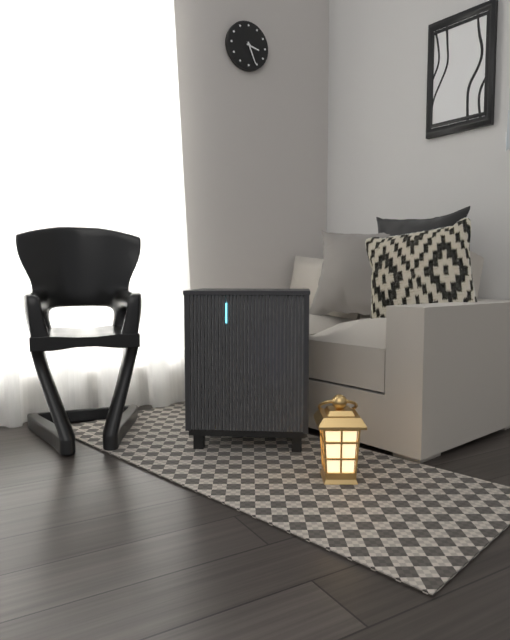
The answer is 3 h 26 min
